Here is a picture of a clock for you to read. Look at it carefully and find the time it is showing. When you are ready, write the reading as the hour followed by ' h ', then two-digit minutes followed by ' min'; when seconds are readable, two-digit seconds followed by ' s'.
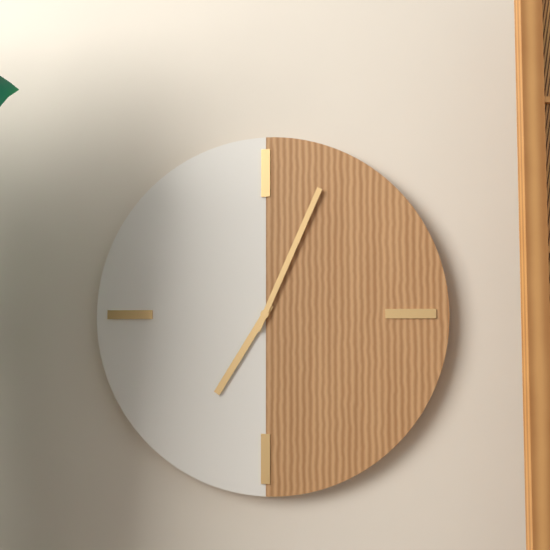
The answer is 7 h 04 min
